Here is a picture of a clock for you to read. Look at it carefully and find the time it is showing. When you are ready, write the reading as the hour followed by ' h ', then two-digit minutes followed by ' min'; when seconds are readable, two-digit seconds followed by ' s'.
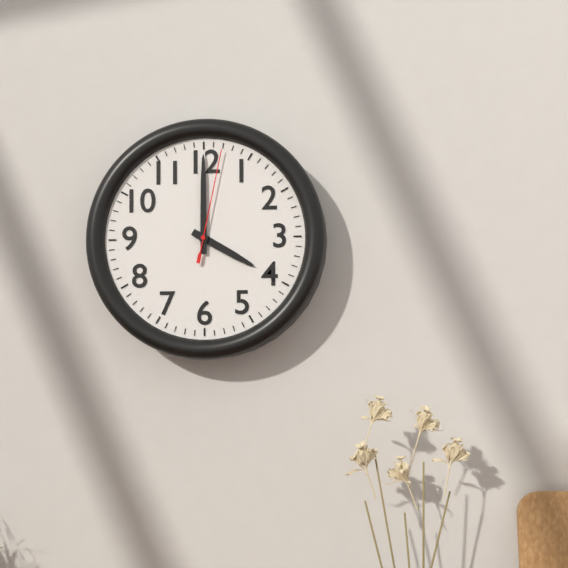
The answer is 4 h 00 min 02 s
